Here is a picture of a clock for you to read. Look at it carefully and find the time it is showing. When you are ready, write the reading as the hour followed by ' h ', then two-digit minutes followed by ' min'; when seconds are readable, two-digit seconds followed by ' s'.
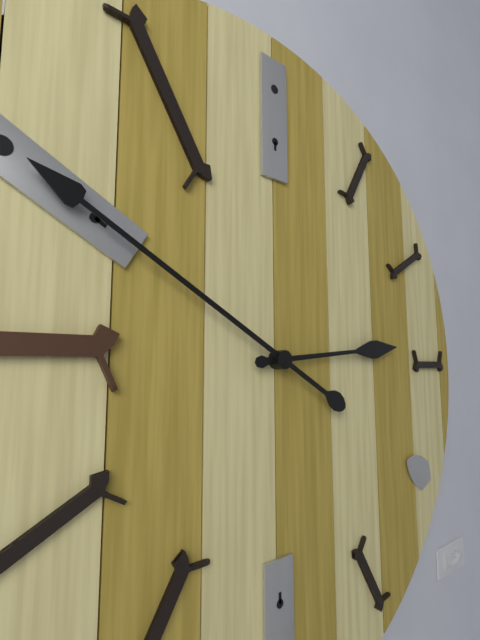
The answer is 2 h 50 min
